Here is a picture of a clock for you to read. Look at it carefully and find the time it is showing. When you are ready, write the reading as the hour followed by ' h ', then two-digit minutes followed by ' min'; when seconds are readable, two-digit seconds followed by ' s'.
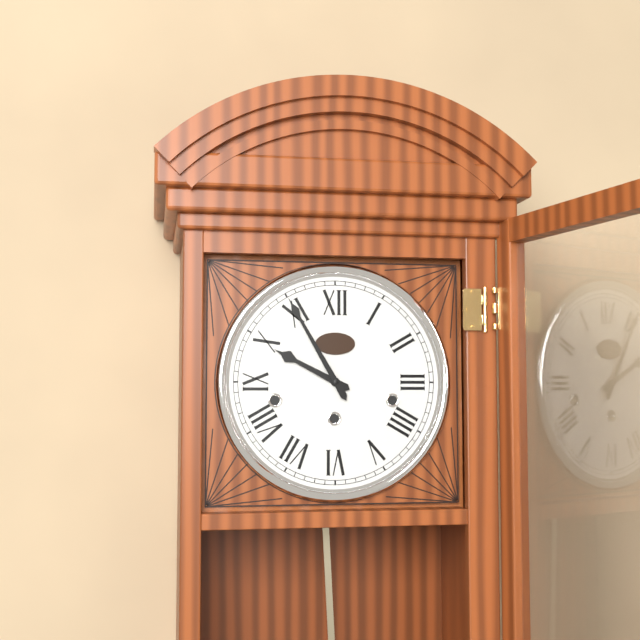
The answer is 9 h 55 min
